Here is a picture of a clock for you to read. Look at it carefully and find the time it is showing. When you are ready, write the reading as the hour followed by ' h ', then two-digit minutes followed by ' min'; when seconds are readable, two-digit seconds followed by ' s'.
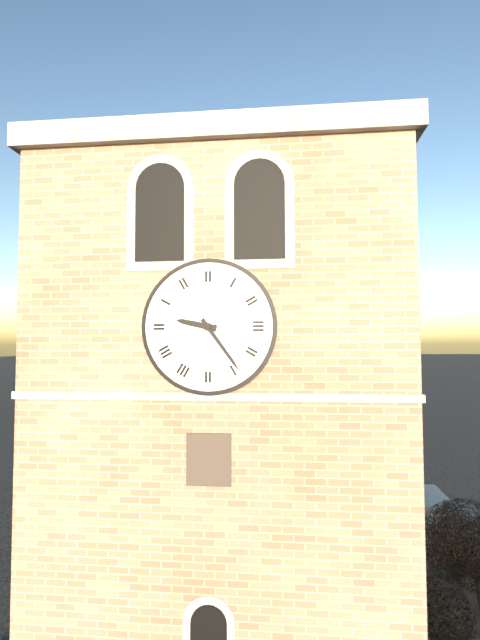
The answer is 9 h 24 min
